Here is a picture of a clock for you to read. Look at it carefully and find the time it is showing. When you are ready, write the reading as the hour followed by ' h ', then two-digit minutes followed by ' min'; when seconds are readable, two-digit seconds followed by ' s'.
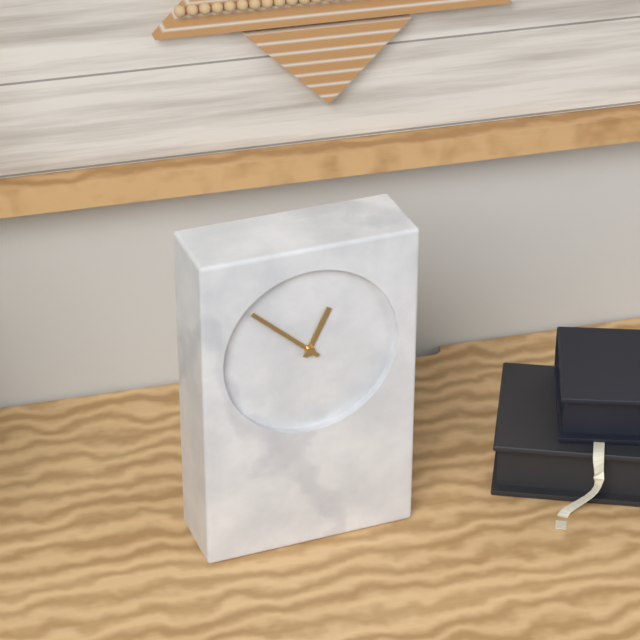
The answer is 12 h 52 min
